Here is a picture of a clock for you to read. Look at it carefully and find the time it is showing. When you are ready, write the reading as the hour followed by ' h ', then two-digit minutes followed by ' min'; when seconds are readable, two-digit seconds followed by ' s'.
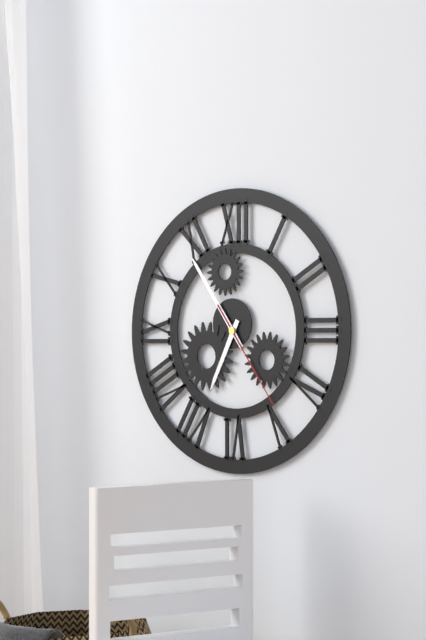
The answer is 6 h 54 min 24 s
